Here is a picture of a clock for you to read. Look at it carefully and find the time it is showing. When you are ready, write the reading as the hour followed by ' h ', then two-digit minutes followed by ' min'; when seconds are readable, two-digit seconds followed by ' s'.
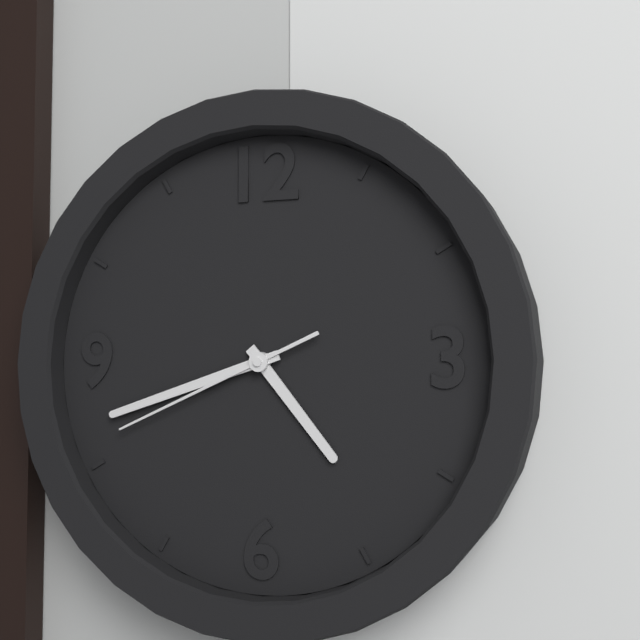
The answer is 4 h 42 min 41 s
